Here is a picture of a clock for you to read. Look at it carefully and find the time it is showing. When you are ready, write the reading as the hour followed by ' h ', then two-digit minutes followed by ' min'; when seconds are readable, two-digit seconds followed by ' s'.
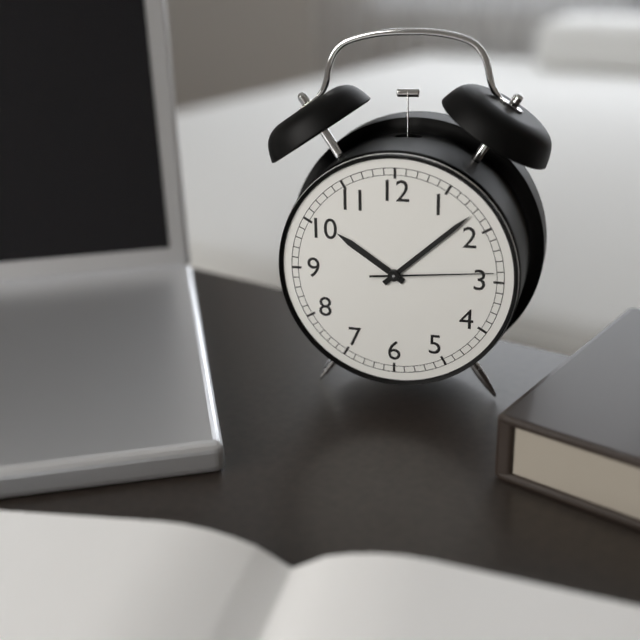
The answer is 10 h 08 min 14 s
